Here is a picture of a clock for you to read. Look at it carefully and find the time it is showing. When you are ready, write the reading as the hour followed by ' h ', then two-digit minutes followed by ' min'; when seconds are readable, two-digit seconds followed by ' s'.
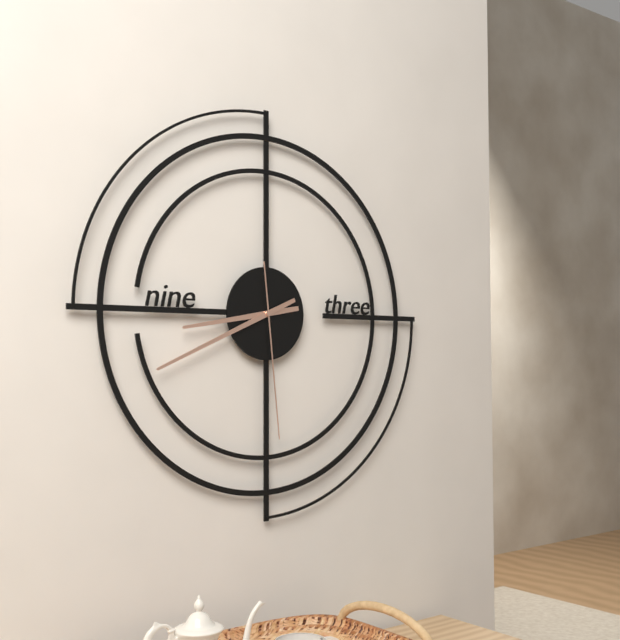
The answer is 8 h 41 min 29 s
